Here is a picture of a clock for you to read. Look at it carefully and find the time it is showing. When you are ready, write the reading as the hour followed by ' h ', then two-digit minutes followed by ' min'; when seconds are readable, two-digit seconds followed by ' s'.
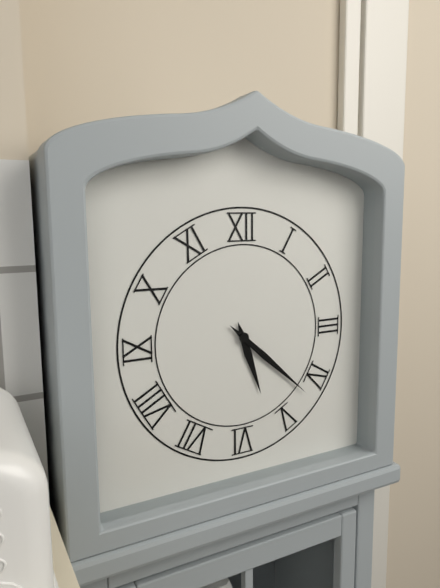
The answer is 5 h 22 min
